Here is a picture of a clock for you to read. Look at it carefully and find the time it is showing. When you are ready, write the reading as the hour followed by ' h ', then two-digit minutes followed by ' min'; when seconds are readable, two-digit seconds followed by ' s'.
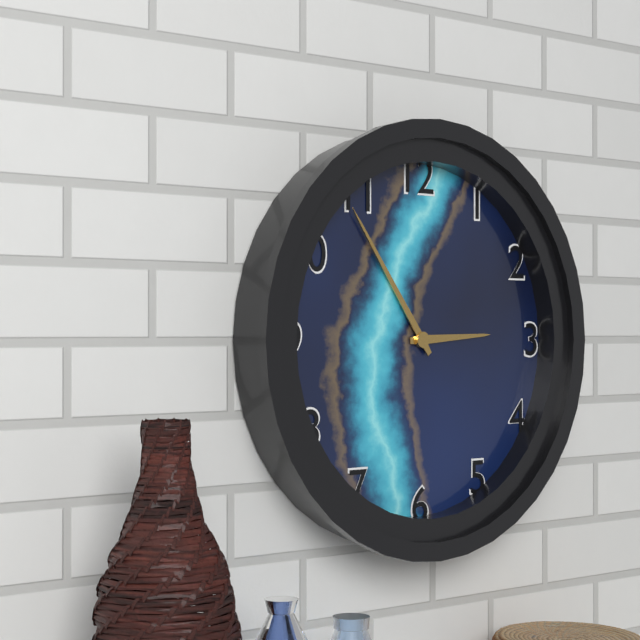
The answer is 2 h 54 min
